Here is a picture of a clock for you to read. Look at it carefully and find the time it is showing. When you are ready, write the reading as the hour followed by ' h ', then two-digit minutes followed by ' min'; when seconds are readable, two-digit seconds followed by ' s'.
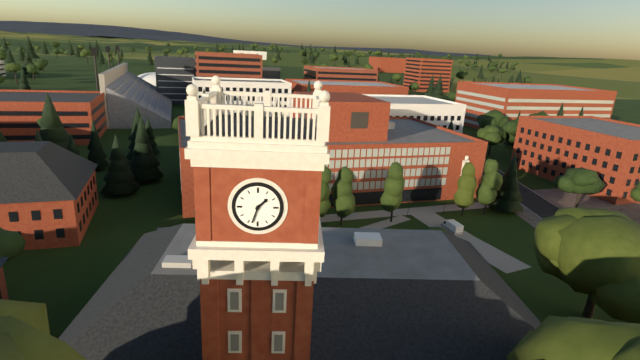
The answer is 1 h 33 min
